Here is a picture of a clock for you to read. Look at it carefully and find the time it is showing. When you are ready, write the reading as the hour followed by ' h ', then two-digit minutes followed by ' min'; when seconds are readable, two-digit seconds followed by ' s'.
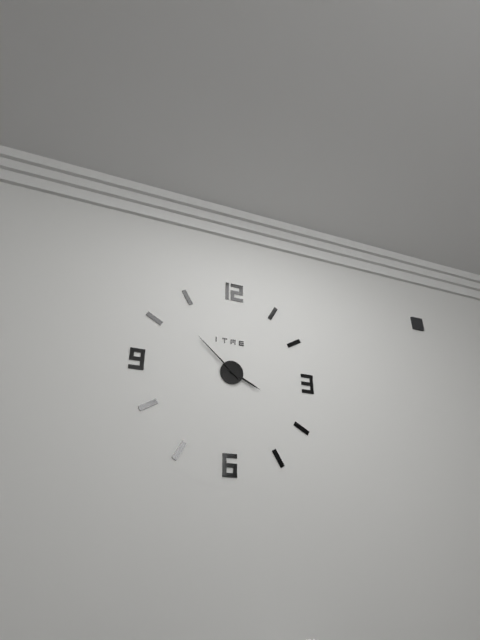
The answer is 3 h 52 min
